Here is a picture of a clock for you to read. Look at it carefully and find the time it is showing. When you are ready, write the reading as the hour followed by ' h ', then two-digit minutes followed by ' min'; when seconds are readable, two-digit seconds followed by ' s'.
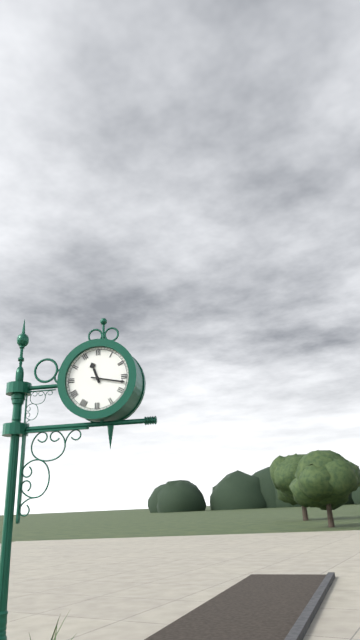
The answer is 11 h 17 min
